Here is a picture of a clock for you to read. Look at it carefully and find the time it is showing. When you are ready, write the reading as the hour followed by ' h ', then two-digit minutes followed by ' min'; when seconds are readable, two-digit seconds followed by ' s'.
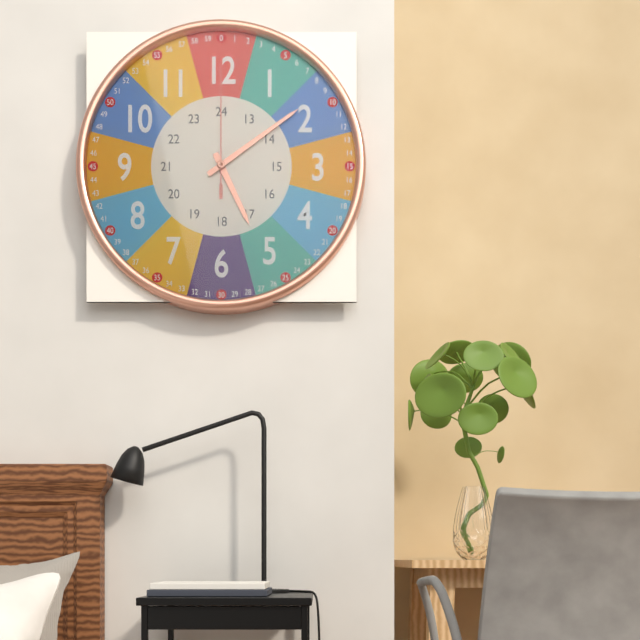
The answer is 5 h 09 min 00 s
